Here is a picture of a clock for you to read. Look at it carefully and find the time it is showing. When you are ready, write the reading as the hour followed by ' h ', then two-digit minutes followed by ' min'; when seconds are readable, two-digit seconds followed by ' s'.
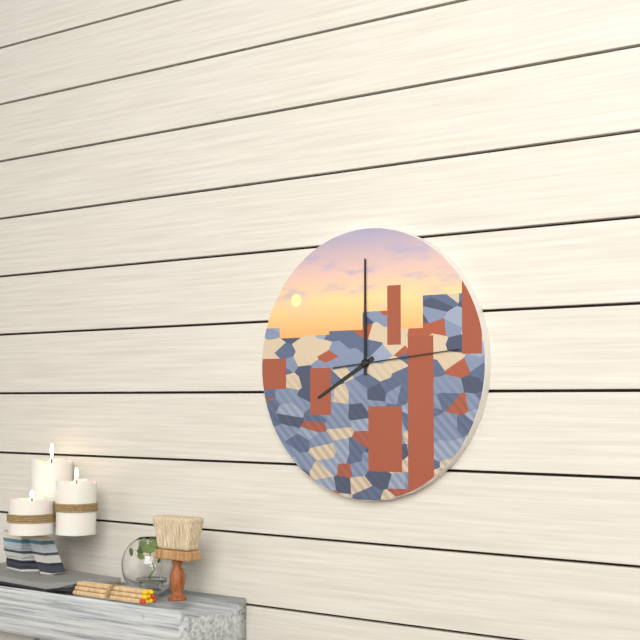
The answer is 8 h 00 min 14 s
